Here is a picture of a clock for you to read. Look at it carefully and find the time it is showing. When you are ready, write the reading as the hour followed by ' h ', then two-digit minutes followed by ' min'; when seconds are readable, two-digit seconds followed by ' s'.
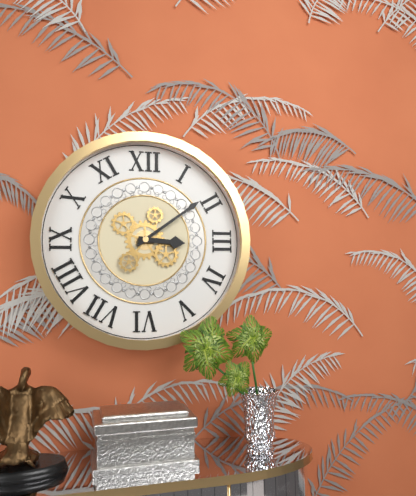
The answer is 3 h 09 min
